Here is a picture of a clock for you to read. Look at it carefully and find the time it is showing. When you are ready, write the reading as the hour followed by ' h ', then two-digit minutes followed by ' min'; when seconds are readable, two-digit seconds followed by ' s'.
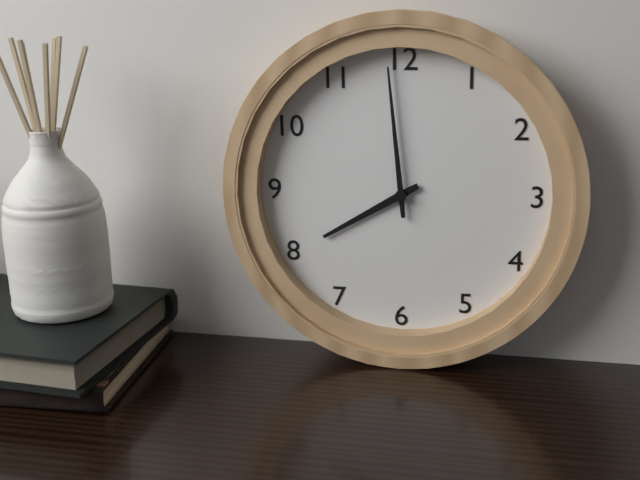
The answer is 7 h 59 min
